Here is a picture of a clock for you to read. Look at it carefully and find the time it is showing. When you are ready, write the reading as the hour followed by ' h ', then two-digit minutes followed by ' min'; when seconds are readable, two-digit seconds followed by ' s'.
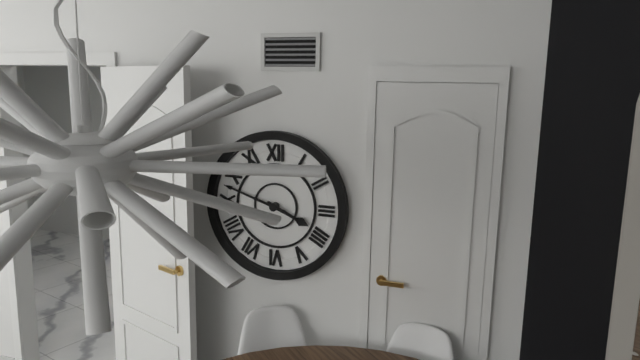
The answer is 3 h 48 min
